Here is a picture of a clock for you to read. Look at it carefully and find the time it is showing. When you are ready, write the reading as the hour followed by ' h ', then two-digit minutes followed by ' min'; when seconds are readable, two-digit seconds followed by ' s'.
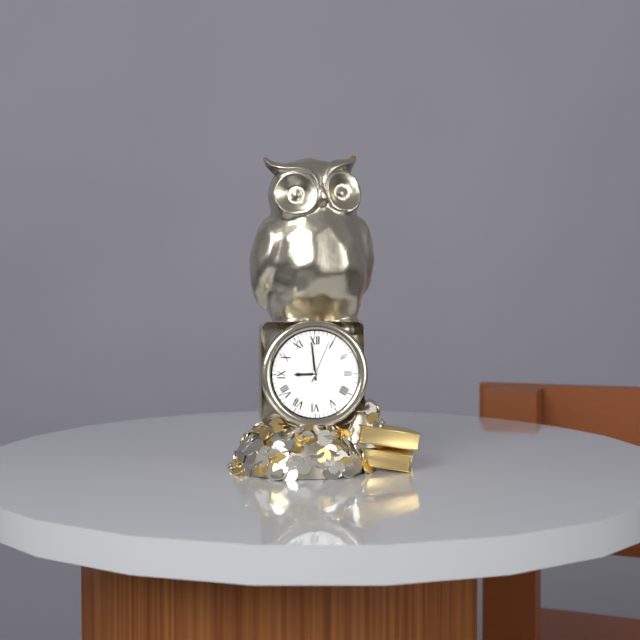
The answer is 8 h 59 min
